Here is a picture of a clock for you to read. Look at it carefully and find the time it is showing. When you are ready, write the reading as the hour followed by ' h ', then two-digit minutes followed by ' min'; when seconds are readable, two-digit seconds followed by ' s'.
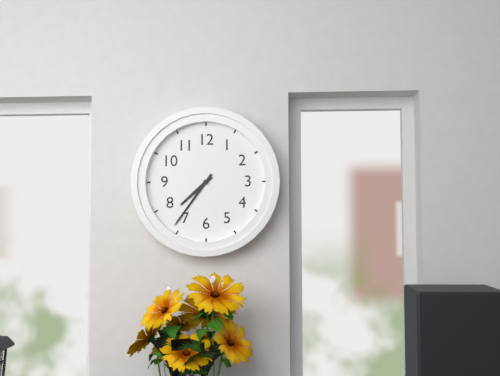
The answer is 7 h 36 min
